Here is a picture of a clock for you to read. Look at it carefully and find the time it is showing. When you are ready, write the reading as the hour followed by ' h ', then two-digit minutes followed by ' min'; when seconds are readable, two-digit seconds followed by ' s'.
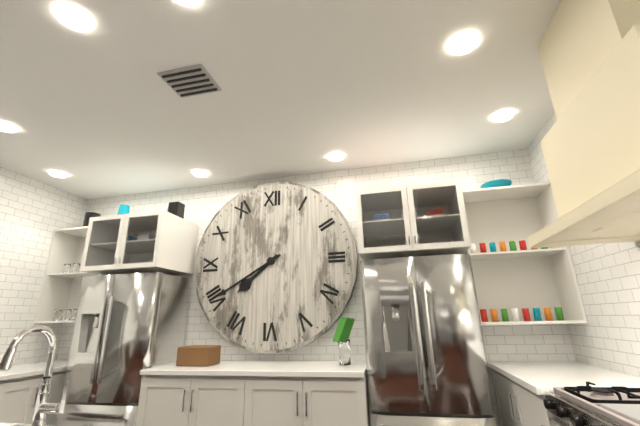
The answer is 7 h 40 min
